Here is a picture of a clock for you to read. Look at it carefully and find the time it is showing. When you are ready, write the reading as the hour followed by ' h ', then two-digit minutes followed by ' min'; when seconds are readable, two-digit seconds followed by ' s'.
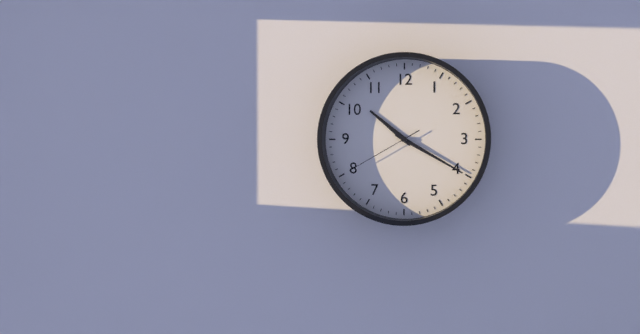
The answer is 10 h 20 min 40 s
